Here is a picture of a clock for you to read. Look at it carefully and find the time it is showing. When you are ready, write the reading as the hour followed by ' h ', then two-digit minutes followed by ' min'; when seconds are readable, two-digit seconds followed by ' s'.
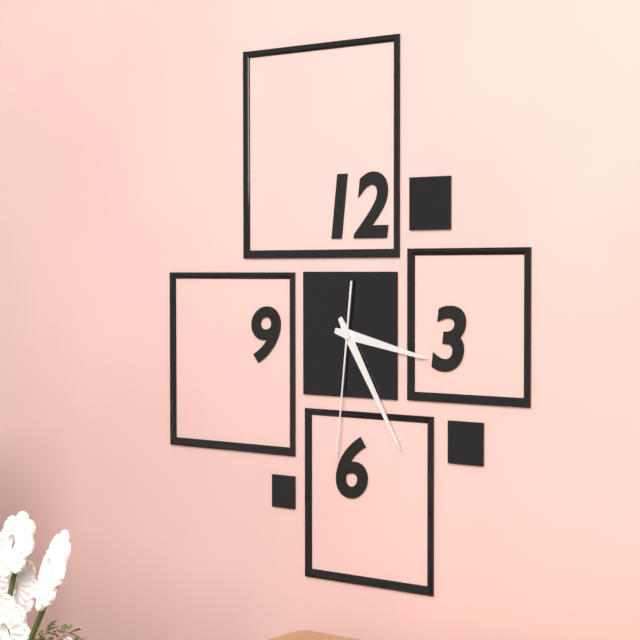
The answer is 3 h 25 min 31 s
